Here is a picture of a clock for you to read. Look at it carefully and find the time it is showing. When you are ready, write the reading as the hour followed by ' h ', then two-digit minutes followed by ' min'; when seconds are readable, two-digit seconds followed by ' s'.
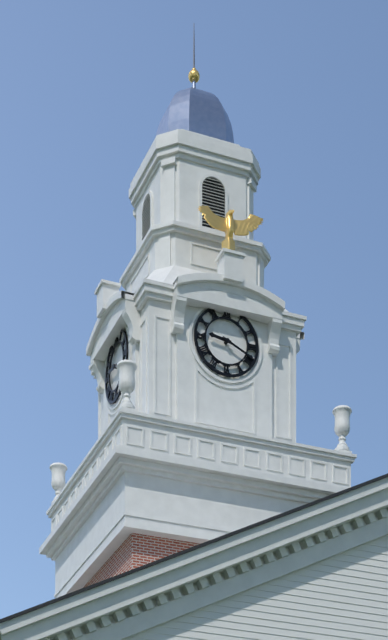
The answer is 9 h 19 min
